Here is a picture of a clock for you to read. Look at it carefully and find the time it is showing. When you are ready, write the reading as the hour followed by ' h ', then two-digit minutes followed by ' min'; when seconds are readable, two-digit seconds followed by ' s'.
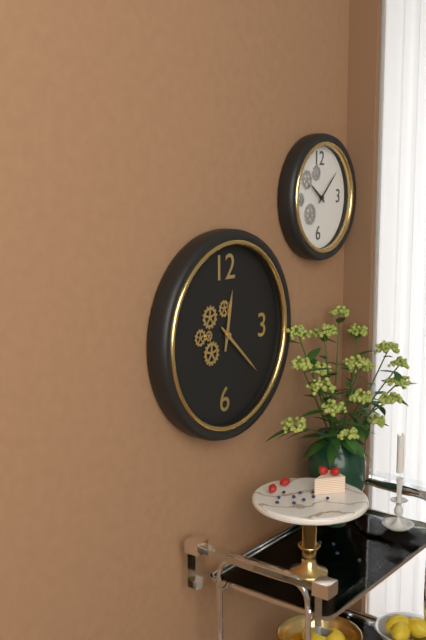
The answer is 12 h 22 min
